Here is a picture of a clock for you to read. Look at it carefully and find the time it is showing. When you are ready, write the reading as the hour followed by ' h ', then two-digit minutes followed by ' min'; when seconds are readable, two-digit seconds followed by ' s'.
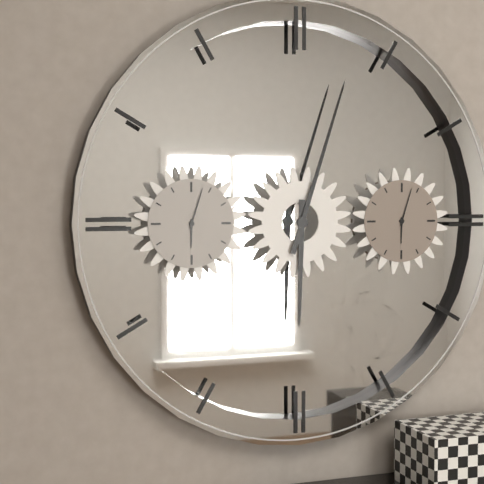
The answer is 6 h 03 min
